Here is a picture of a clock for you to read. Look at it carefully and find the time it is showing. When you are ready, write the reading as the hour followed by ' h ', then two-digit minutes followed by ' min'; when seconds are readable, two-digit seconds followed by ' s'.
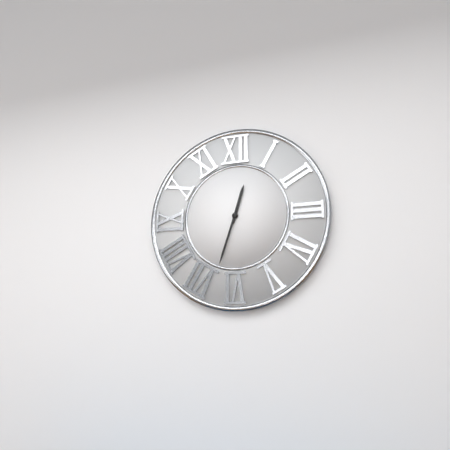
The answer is 12 h 33 min
